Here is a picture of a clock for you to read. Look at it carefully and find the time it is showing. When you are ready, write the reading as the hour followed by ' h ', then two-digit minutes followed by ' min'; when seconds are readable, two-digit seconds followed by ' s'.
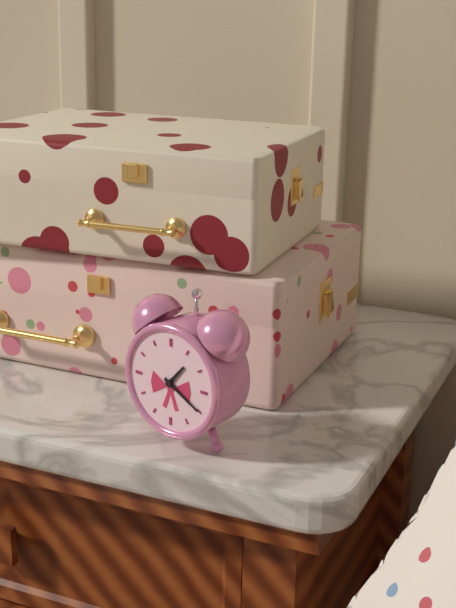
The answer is 1 h 20 min
